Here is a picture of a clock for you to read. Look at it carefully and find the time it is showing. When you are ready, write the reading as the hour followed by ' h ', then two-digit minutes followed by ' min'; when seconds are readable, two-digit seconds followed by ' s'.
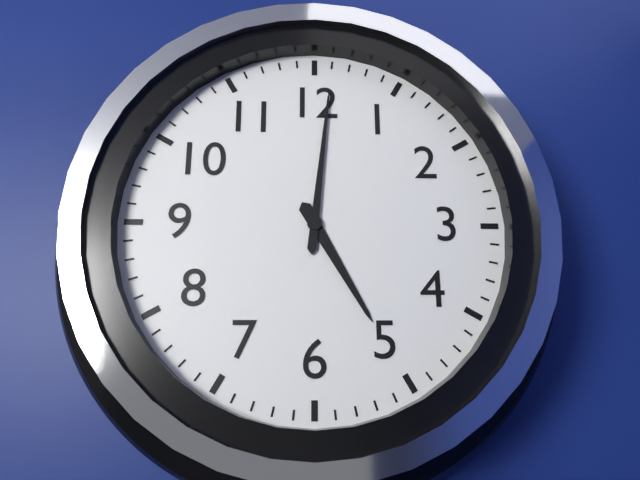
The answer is 5 h 01 min
